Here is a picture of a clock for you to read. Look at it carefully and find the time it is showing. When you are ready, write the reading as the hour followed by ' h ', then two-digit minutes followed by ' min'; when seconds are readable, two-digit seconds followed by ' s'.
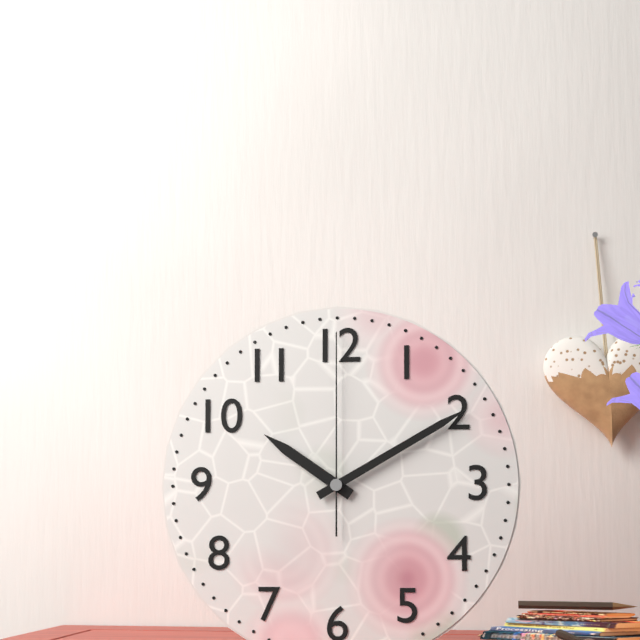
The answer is 10 h 10 min 00 s
